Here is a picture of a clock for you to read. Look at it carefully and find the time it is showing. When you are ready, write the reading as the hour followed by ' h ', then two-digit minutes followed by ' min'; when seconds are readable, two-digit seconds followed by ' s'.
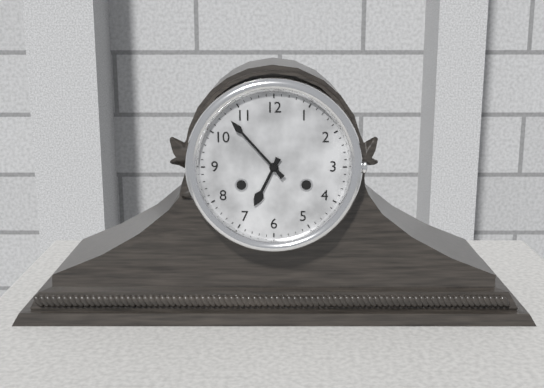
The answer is 6 h 53 min
